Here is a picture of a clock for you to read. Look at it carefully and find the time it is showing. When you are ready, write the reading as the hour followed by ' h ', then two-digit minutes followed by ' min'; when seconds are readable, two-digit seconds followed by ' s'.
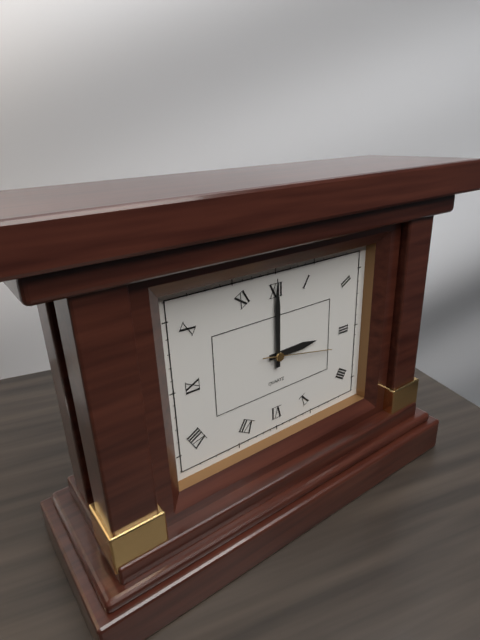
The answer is 3 h 00 min 17 s
